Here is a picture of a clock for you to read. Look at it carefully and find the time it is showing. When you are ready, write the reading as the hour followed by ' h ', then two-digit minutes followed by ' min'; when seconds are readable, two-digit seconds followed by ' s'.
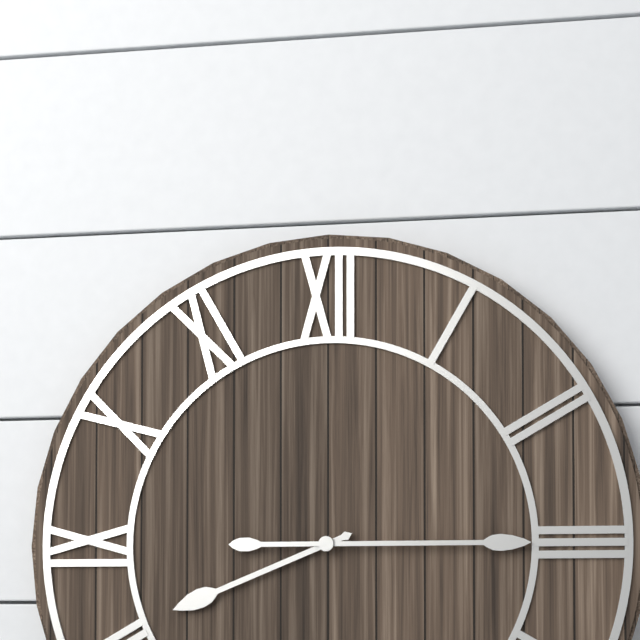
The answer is 8 h 15 min
